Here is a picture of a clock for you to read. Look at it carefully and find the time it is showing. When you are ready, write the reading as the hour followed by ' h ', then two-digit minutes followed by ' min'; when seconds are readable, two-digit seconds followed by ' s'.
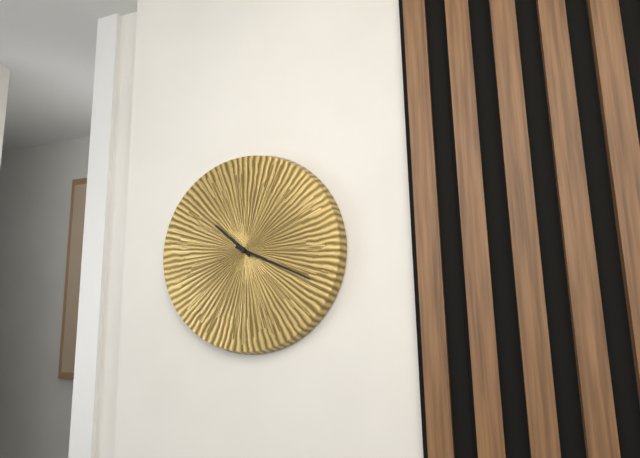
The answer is 10 h 19 min
